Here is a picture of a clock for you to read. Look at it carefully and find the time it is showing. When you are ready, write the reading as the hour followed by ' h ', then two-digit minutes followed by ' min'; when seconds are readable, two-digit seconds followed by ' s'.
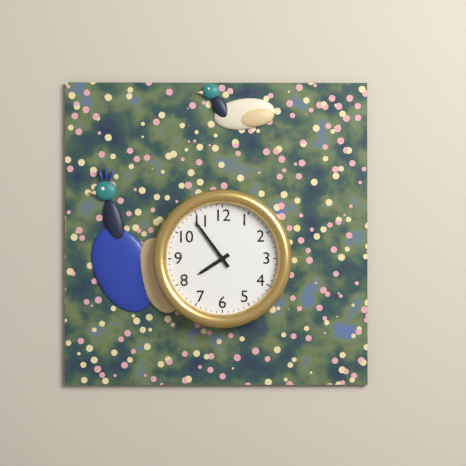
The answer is 7 h 54 min
